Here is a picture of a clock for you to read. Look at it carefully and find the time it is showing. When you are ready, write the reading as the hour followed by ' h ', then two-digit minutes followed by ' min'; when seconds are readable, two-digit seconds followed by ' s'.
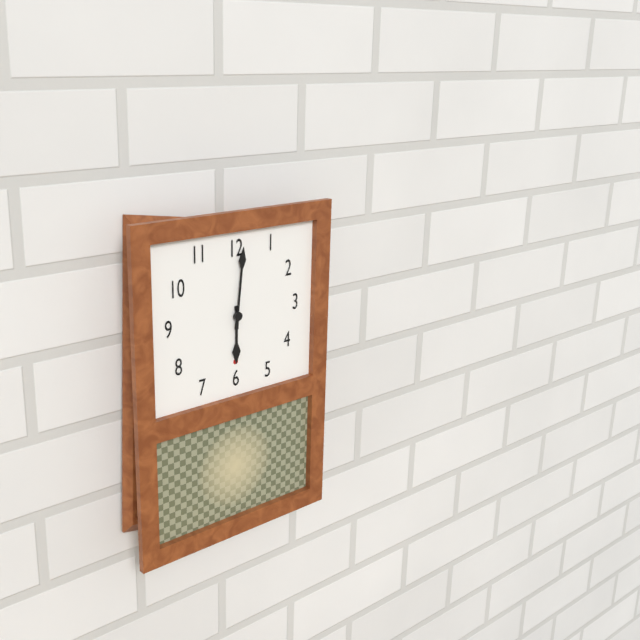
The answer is 6 h 01 min
